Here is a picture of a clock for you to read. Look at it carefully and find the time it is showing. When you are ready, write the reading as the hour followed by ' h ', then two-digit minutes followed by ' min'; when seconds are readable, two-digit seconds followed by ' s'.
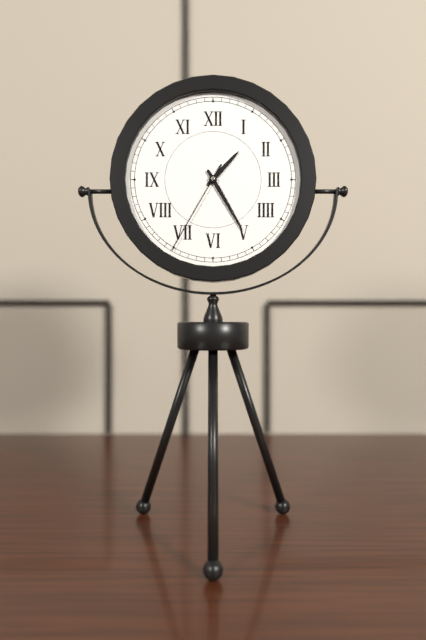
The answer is 1 h 25 min 35 s
